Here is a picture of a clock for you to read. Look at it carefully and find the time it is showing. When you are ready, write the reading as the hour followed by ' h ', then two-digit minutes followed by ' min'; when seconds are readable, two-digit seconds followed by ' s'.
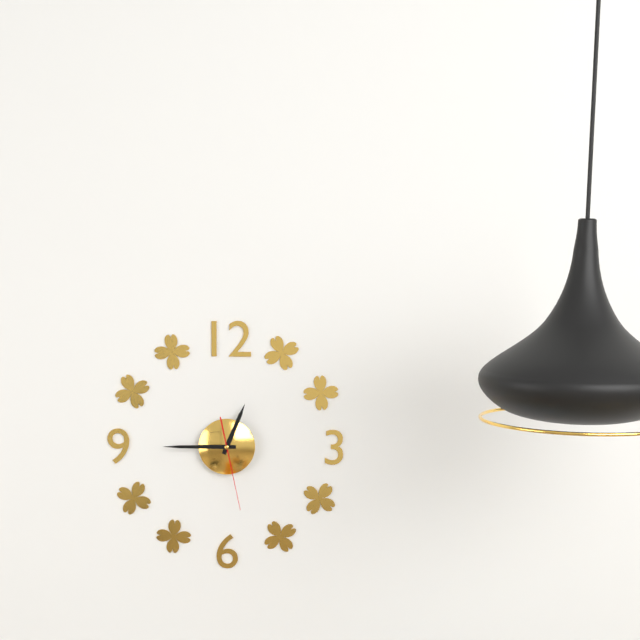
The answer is 12 h 45 min 28 s
